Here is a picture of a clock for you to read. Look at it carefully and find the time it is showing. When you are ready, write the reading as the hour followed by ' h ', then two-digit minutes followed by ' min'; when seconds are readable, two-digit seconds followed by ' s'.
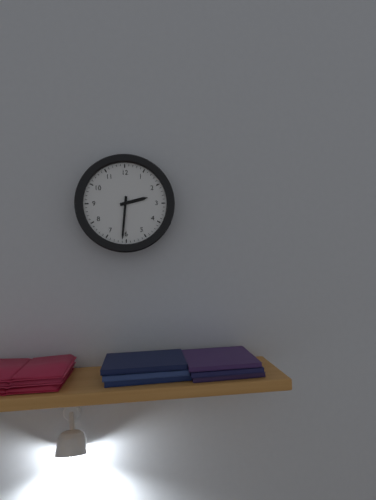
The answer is 2 h 31 min
